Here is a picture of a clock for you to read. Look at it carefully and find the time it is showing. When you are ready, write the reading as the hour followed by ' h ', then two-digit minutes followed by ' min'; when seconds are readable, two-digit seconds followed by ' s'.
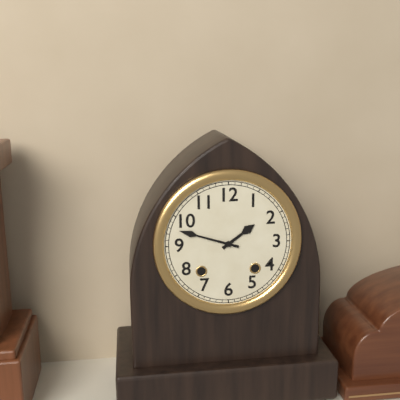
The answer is 1 h 48 min
